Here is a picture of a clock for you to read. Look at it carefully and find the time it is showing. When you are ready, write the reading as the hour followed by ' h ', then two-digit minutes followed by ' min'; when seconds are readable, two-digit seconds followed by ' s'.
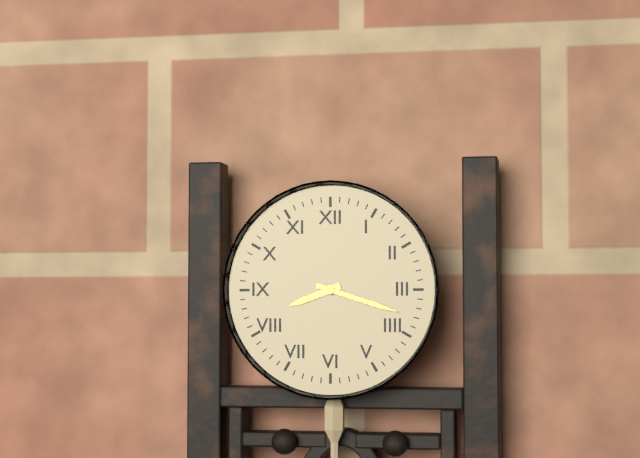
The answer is 8 h 18 min
